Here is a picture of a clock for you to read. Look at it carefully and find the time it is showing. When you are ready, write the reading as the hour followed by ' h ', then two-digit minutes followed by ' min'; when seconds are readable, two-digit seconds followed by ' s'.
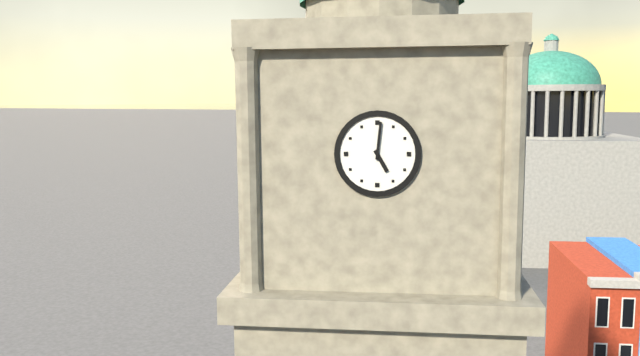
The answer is 5 h 01 min
